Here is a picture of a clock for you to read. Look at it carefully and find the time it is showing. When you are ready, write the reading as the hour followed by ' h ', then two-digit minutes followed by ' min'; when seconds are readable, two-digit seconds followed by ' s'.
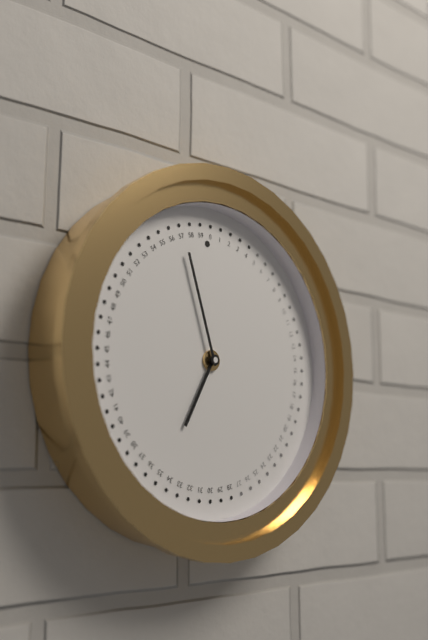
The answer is 6 h 57 min
